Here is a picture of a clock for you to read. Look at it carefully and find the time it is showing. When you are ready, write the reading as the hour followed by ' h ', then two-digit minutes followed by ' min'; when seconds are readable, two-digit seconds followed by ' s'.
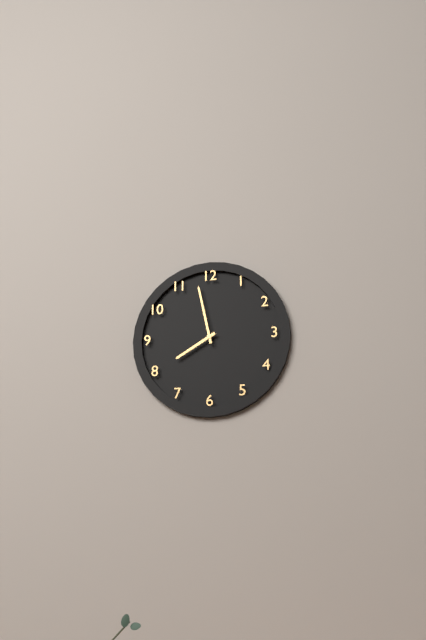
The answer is 7 h 58 min
